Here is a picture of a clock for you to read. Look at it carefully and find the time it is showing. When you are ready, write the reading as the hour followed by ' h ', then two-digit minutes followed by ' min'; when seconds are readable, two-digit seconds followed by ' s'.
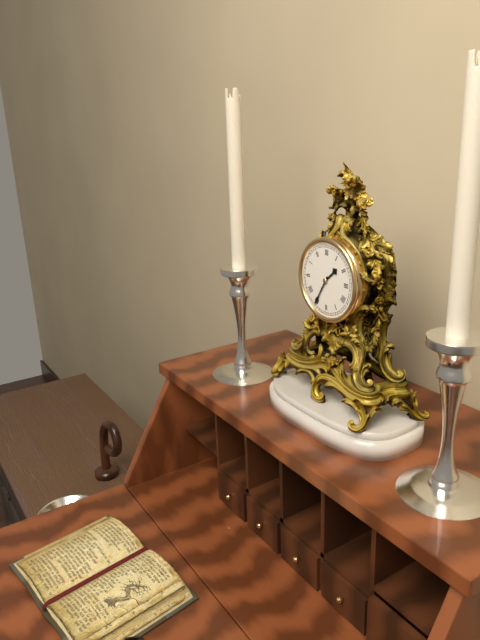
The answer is 1 h 35 min
